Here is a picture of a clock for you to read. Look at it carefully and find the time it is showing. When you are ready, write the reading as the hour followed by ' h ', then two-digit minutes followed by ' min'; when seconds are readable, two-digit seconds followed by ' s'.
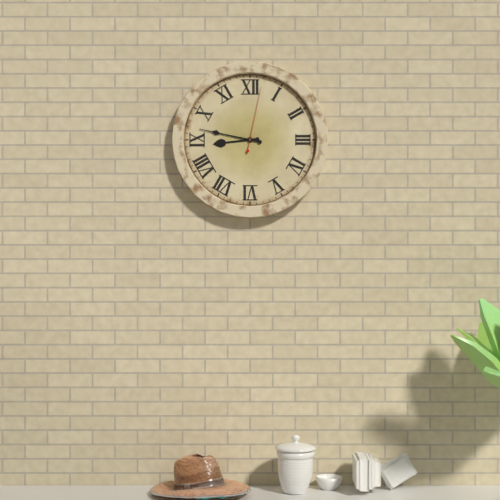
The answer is 8 h 47 min 02 s
